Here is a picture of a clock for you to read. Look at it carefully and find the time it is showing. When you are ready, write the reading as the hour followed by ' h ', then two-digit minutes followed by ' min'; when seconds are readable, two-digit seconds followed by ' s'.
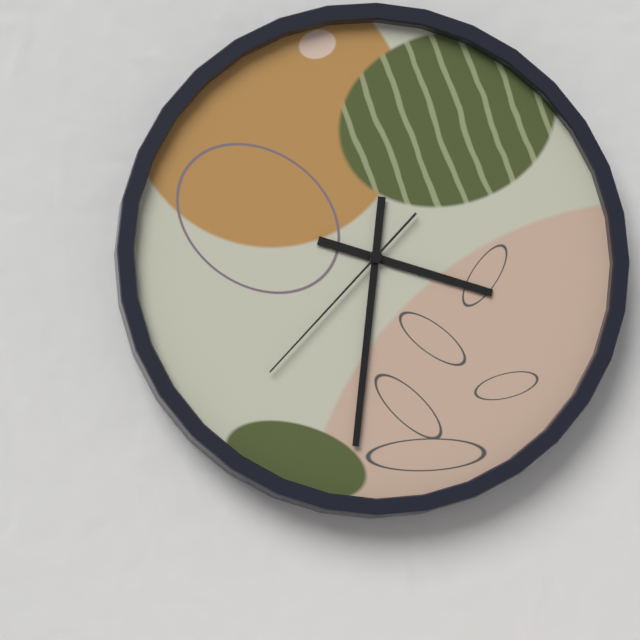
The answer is 3 h 31 min 37 s
